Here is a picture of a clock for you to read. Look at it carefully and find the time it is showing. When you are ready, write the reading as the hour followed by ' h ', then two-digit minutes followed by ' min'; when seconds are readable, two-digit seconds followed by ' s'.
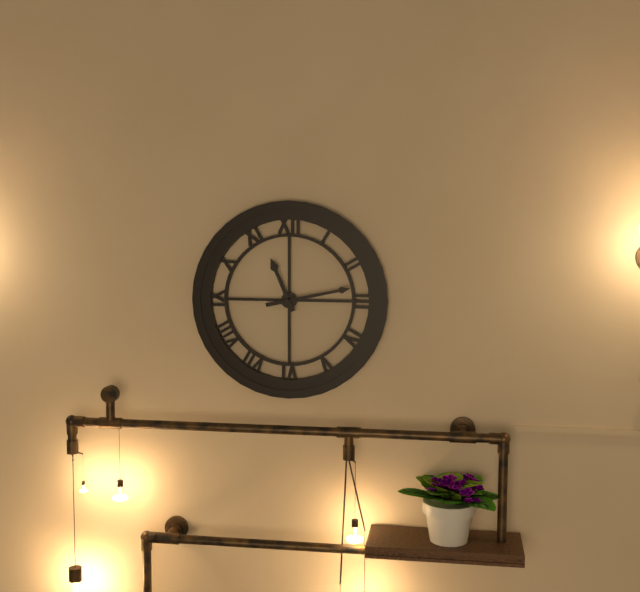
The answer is 11 h 13 min
